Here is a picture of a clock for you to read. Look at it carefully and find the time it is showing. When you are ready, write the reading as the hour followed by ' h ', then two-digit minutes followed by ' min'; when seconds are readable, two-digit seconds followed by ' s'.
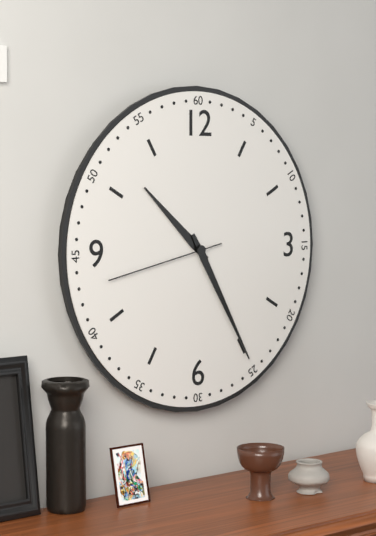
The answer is 10 h 25 min 43 s
